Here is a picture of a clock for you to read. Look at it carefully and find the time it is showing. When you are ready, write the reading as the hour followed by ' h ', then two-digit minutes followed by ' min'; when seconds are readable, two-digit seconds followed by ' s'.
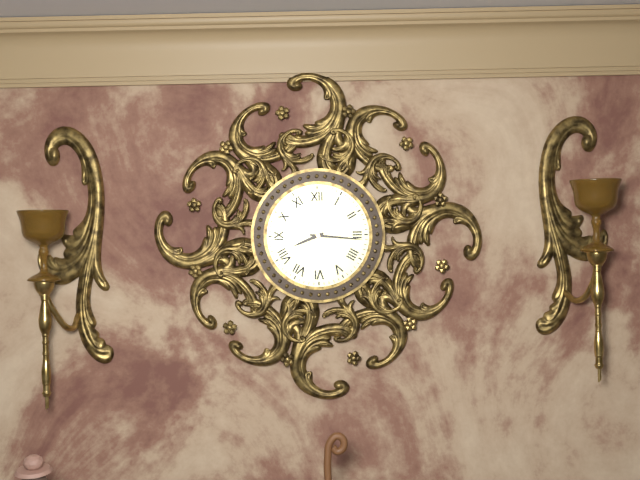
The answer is 8 h 16 min
